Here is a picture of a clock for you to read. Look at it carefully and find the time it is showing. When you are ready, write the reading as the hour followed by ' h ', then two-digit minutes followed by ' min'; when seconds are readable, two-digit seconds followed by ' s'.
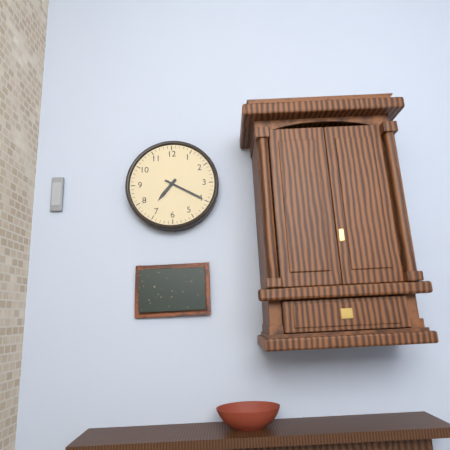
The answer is 7 h 20 min
